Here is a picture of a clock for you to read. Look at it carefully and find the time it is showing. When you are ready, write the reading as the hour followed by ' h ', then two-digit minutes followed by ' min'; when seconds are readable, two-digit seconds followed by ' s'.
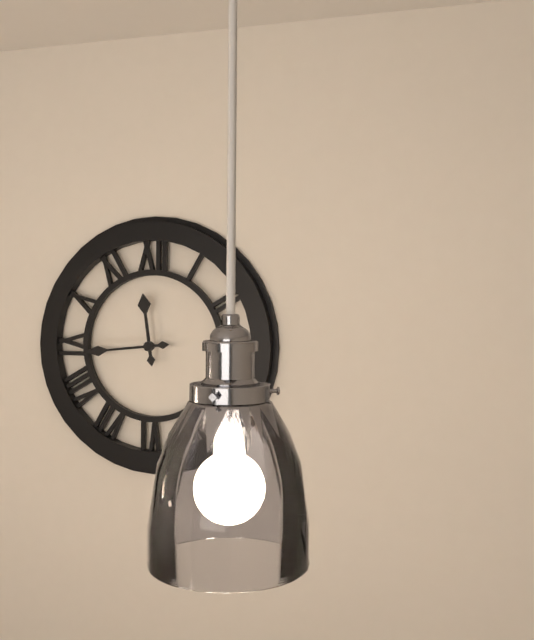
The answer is 11 h 44 min
